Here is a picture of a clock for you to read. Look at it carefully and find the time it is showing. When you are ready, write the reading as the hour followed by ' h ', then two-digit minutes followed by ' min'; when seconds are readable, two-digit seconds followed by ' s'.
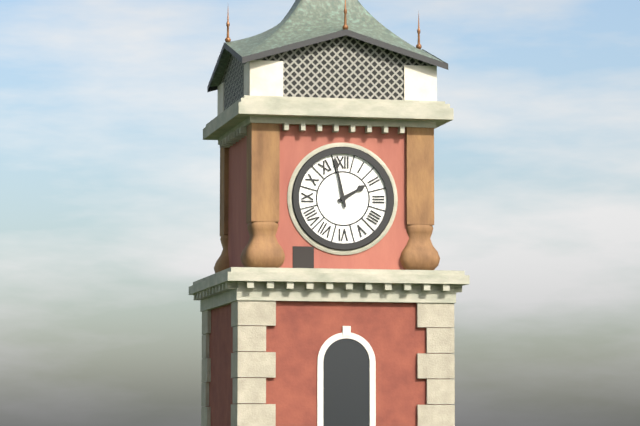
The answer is 1 h 58 min
